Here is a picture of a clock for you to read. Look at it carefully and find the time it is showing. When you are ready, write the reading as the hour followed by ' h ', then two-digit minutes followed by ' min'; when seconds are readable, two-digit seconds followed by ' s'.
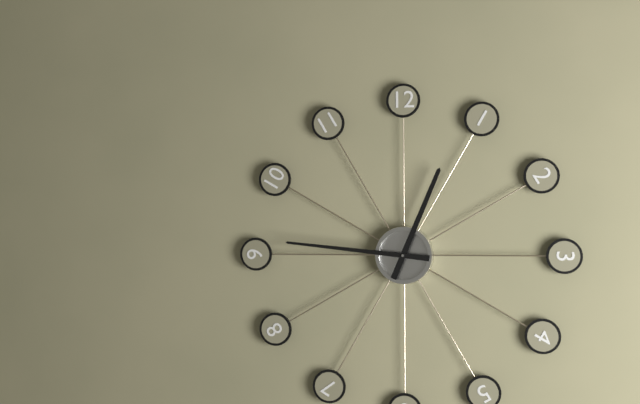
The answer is 12 h 46 min
